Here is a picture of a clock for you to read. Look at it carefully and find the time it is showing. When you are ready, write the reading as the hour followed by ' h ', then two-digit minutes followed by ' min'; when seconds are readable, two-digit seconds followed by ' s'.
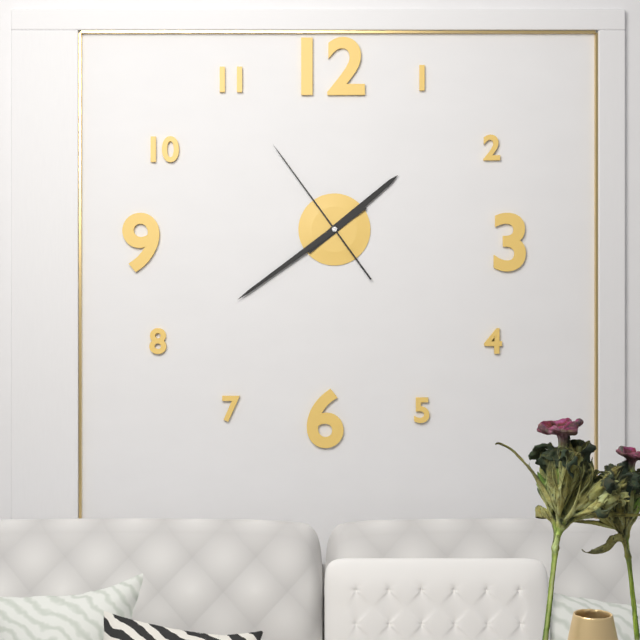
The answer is 1 h 39 min 54 s
